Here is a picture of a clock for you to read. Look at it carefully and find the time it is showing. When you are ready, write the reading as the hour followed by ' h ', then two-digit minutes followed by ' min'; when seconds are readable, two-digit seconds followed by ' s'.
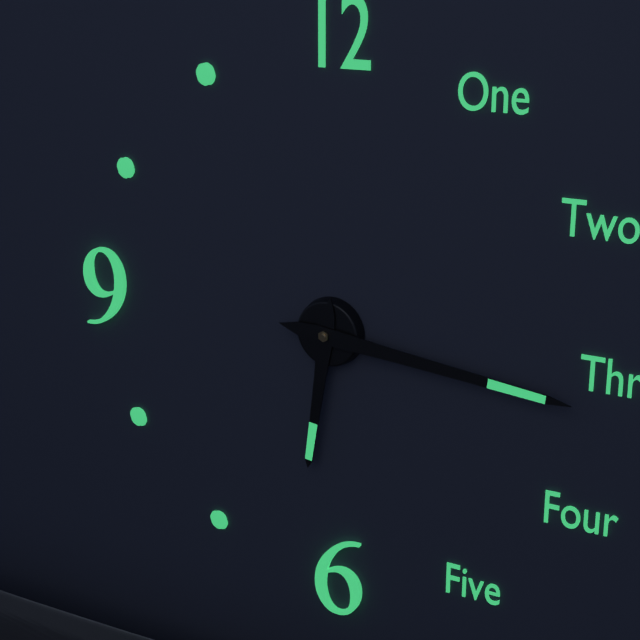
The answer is 6 h 16 min
